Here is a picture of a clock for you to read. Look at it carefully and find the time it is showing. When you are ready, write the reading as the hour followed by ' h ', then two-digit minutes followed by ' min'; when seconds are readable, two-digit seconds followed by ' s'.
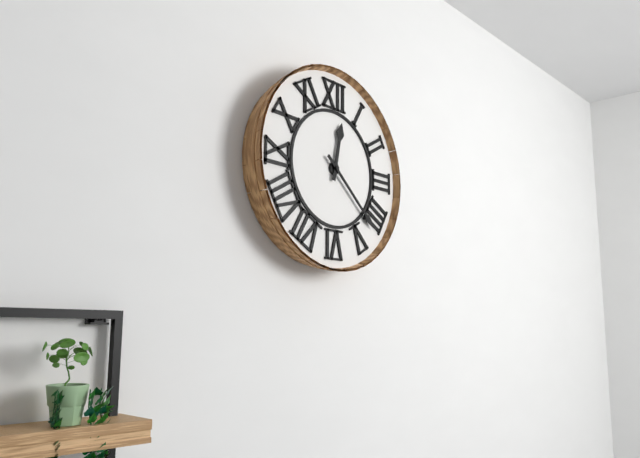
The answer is 12 h 22 min
